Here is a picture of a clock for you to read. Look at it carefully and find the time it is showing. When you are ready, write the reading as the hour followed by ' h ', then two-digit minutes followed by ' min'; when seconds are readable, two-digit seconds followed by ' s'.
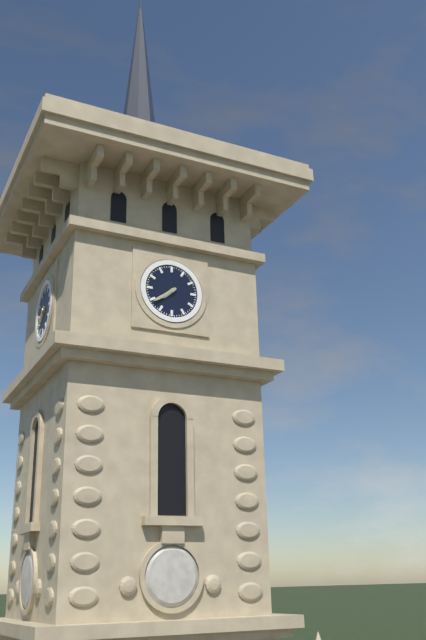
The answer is 7 h 39 min
